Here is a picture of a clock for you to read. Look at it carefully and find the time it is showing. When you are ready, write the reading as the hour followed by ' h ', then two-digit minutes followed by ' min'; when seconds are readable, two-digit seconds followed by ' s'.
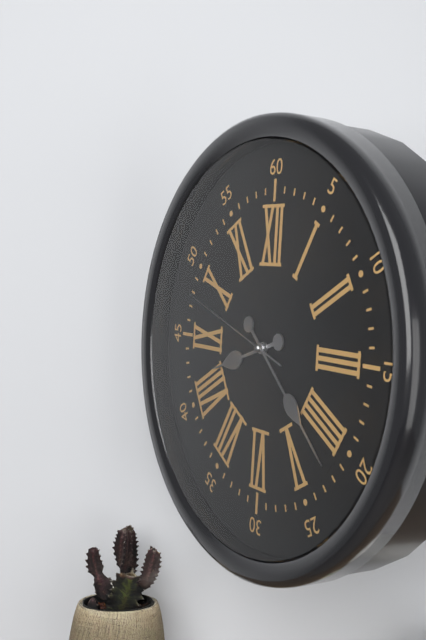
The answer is 8 h 22 min 48 s
